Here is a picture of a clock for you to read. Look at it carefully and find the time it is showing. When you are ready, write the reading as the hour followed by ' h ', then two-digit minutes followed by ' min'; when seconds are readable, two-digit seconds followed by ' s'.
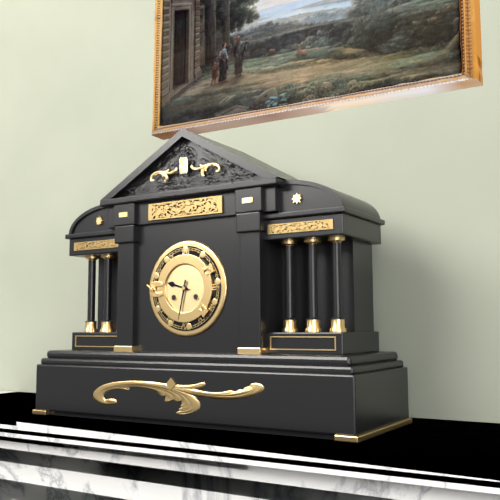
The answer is 9 h 32 min
